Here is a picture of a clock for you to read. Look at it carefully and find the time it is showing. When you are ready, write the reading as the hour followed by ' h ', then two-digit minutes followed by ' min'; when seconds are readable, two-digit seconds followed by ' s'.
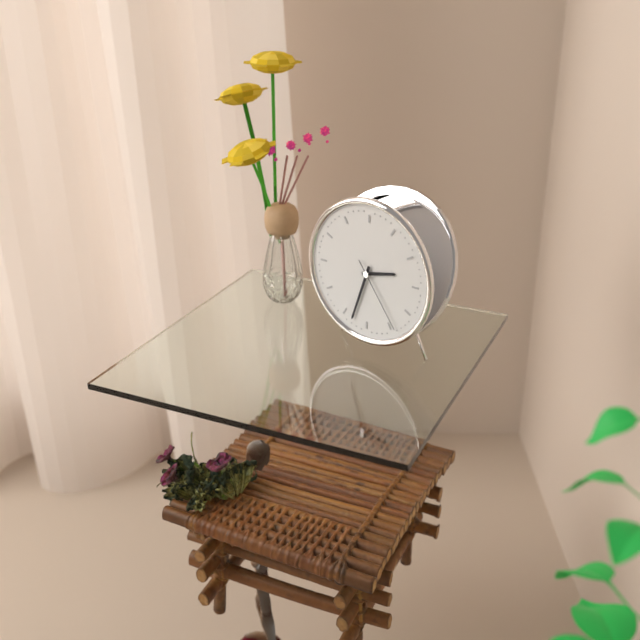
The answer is 2 h 33 min 24 s
